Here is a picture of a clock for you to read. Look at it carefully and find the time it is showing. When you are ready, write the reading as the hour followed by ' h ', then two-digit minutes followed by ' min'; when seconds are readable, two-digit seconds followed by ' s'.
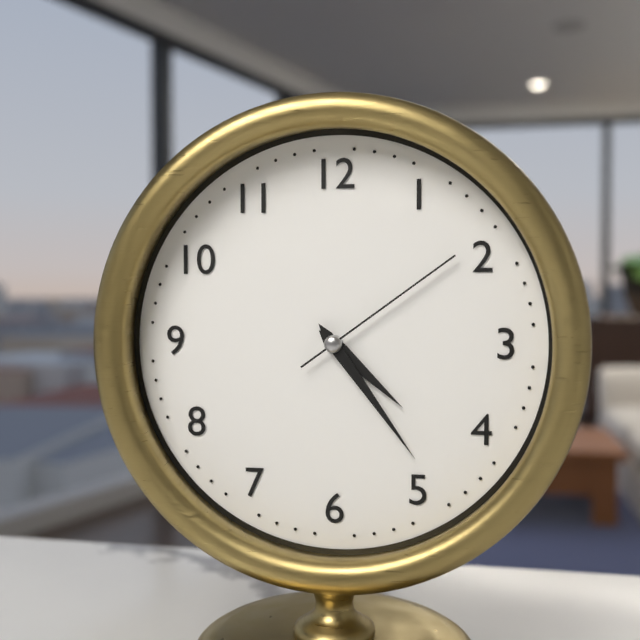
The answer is 4 h 24 min 09 s
